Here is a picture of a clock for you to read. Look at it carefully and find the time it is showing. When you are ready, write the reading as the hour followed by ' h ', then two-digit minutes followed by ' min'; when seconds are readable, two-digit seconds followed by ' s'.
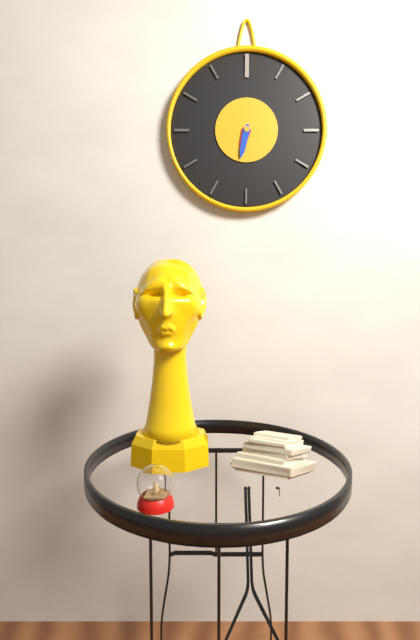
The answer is 6 h 32 min
